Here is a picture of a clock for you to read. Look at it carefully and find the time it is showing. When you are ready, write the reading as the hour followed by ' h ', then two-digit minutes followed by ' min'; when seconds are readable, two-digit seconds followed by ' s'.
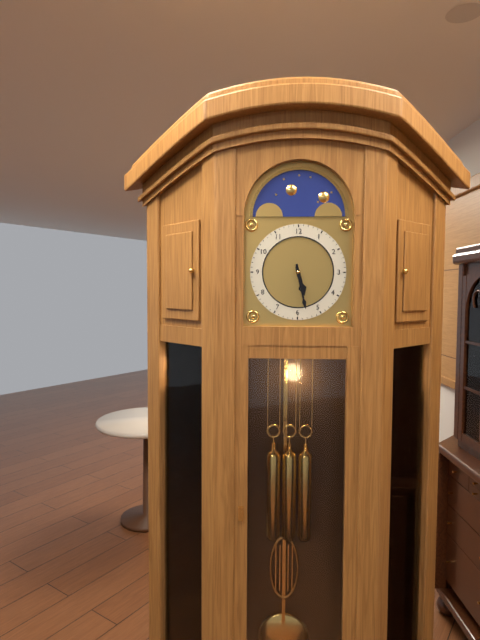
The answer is 5 h 28 min
